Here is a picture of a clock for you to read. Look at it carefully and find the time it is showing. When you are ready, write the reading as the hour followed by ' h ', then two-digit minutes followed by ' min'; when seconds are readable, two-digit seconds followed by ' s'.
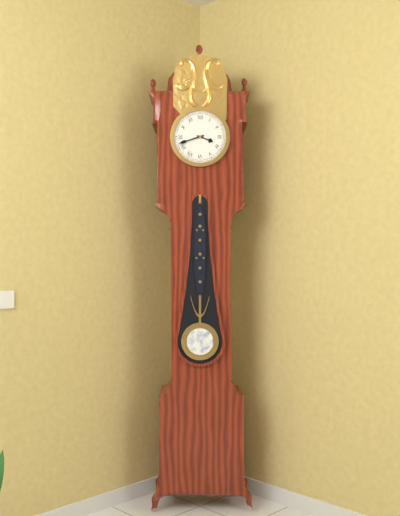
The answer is 3 h 42 min
